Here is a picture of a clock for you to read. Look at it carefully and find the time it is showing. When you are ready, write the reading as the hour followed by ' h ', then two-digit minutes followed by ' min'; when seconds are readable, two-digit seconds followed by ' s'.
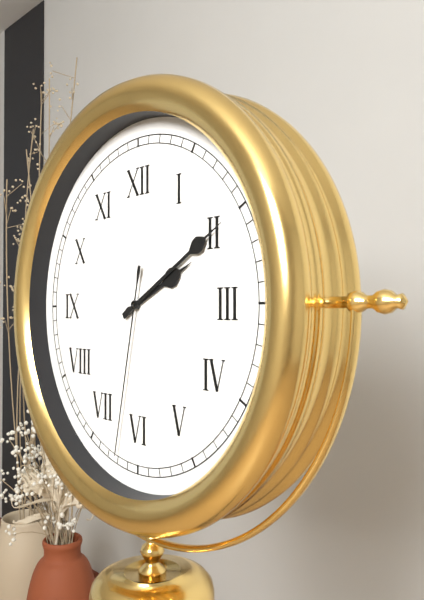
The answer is 2 h 10 min 32 s
